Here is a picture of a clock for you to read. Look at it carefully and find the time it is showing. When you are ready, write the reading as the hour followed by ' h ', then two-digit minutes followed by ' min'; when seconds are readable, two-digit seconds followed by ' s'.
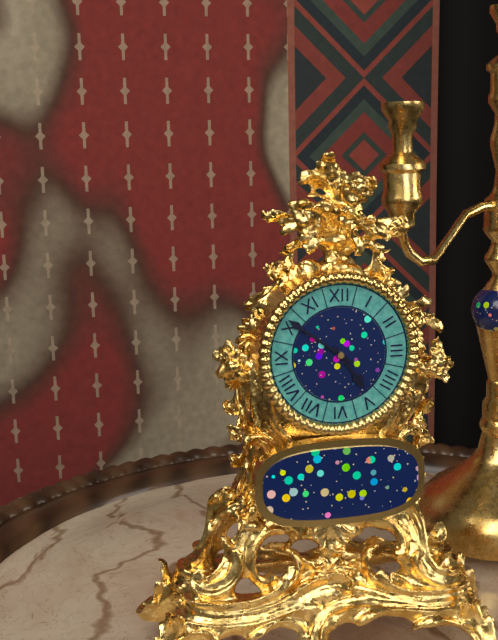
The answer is 4 h 51 min
